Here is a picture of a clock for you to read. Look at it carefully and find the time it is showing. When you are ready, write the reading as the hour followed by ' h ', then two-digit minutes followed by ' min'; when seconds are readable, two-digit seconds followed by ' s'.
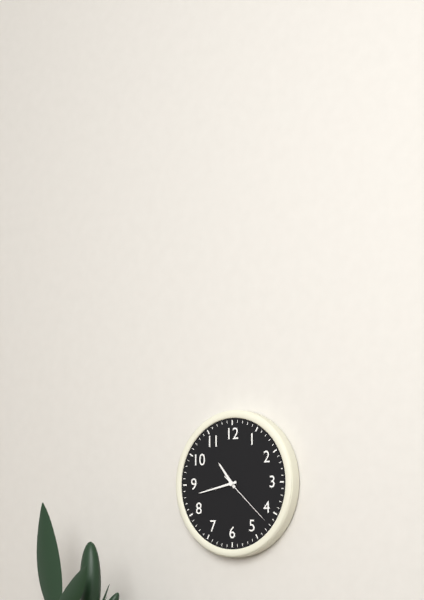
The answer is 10 h 43 min 22 s
